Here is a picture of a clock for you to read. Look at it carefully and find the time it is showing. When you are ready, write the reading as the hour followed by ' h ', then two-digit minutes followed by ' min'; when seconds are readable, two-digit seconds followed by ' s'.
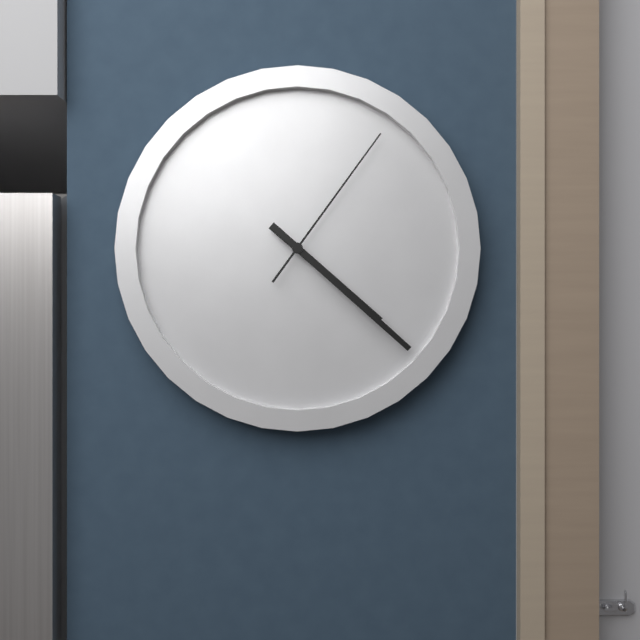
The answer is 4 h 22 min 06 s
